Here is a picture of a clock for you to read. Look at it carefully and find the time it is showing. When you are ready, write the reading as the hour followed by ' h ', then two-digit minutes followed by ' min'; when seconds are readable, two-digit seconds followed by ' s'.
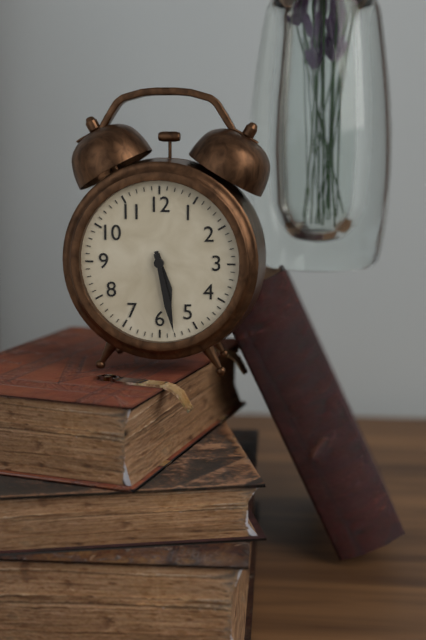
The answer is 5 h 28 min
